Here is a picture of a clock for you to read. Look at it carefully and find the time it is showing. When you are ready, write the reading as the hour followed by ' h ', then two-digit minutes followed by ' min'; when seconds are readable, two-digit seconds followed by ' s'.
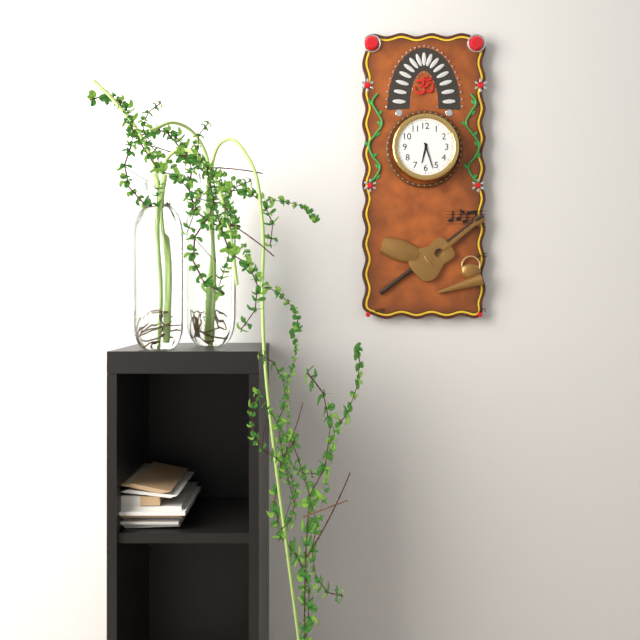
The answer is 6 h 27 min
